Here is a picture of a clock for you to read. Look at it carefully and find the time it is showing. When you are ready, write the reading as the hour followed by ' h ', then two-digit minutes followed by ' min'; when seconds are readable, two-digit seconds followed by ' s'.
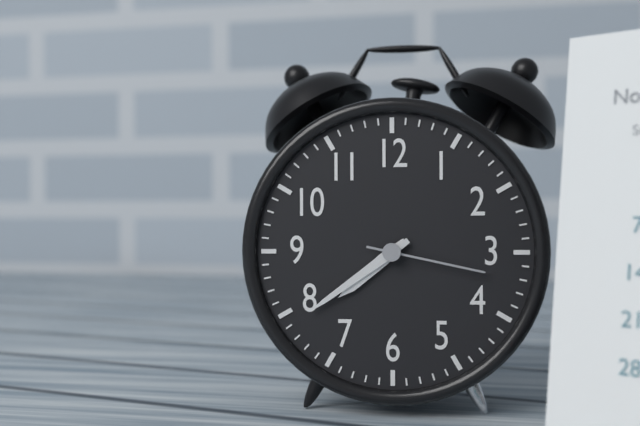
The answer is 7 h 39 min 17 s
